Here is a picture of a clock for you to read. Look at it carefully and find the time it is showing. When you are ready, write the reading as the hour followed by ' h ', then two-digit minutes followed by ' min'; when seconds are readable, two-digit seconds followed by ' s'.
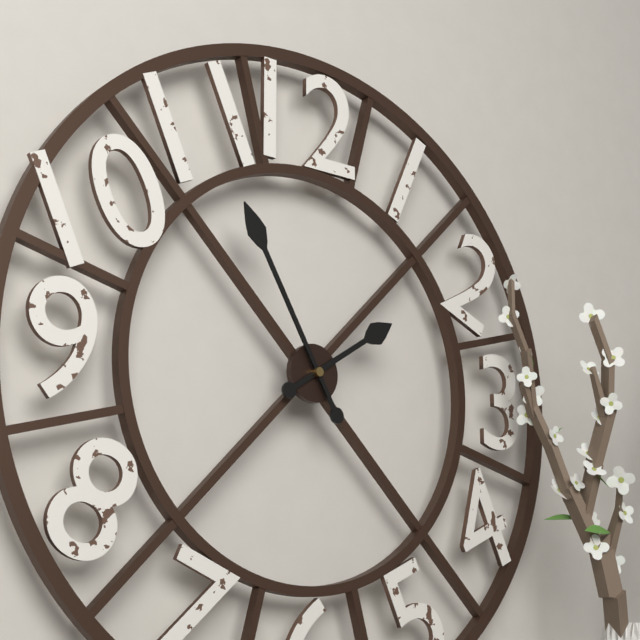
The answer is 1 h 55 min
